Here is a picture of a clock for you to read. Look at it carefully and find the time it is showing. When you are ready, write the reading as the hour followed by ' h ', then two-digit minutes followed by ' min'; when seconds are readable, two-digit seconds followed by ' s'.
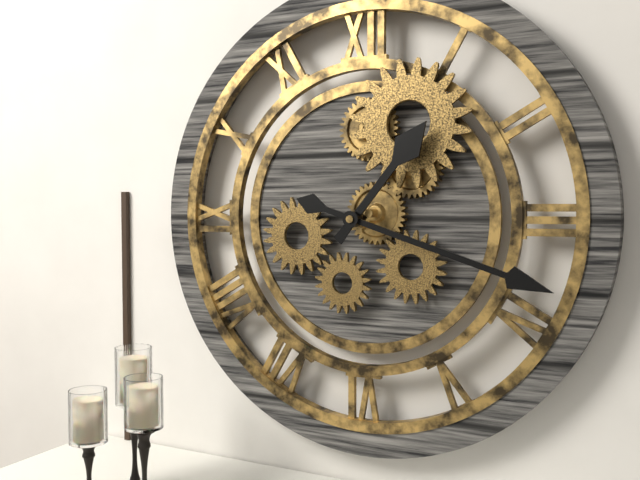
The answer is 1 h 18 min
